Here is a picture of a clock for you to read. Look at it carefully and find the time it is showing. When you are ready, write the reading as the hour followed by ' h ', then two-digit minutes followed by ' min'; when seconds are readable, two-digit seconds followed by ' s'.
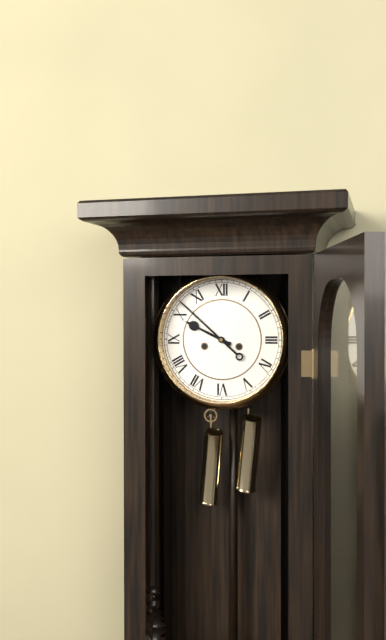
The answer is 9 h 52 min
